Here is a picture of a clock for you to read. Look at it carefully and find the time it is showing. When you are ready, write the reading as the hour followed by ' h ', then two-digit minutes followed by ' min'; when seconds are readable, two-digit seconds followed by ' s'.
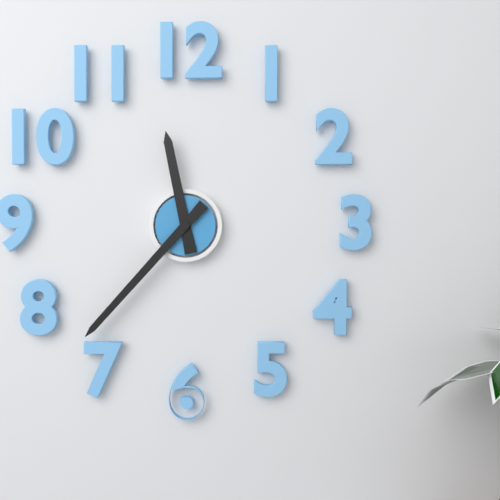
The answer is 11 h 37 min
